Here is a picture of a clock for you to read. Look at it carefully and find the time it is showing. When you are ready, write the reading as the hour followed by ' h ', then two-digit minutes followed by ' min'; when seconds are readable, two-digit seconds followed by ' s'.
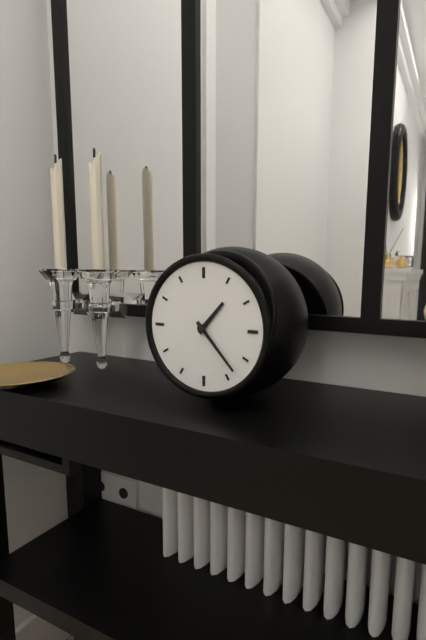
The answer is 1 h 23 min
